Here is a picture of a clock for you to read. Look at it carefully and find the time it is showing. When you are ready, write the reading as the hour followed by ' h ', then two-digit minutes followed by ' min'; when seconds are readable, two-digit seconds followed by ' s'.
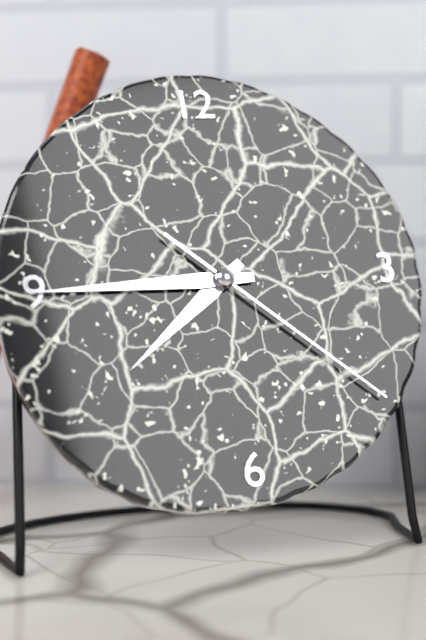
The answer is 7 h 45 min 22 s
